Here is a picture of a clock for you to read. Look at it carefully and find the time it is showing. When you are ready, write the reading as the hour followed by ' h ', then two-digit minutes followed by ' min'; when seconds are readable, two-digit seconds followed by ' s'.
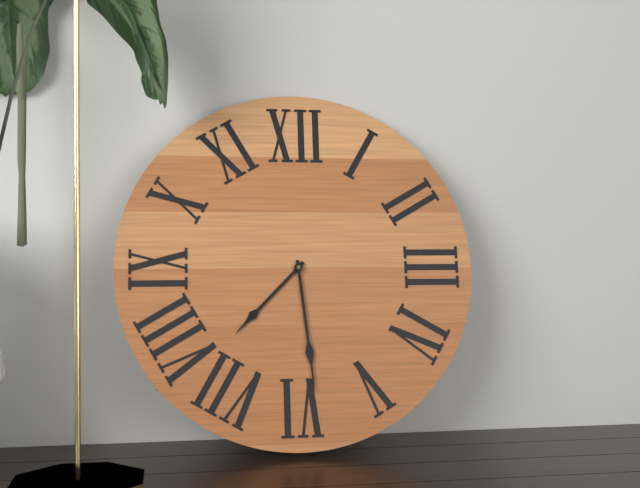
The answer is 7 h 29 min
